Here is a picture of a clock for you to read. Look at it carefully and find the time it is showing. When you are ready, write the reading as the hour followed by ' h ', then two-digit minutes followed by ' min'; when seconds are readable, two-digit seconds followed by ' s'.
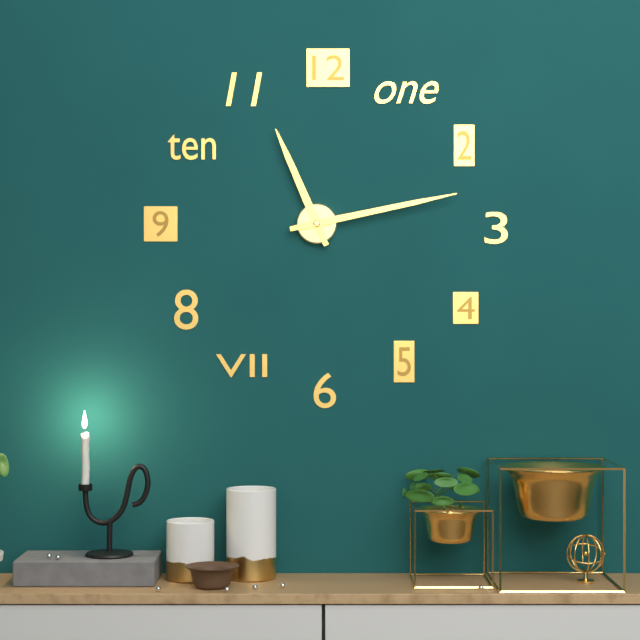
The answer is 11 h 13 min
